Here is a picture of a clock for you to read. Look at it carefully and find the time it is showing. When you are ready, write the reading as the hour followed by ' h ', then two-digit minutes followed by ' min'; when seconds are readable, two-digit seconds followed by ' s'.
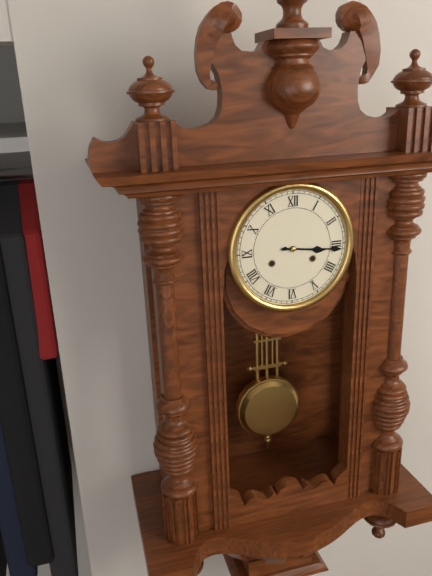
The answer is 3 h 16 min
